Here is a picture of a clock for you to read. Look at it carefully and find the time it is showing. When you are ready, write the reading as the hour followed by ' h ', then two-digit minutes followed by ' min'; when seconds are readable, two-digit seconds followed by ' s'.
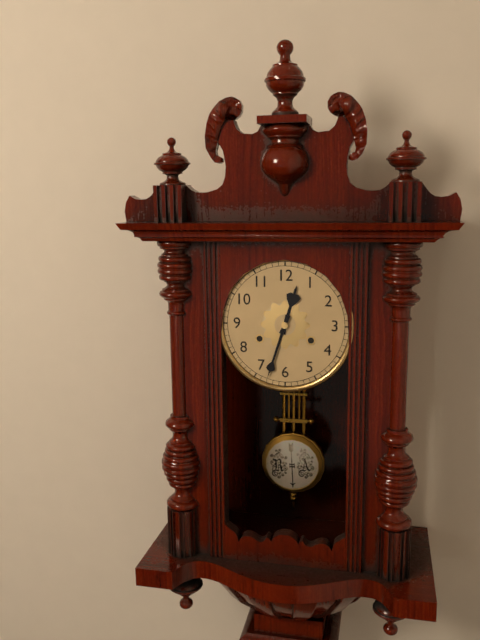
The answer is 12 h 33 min
